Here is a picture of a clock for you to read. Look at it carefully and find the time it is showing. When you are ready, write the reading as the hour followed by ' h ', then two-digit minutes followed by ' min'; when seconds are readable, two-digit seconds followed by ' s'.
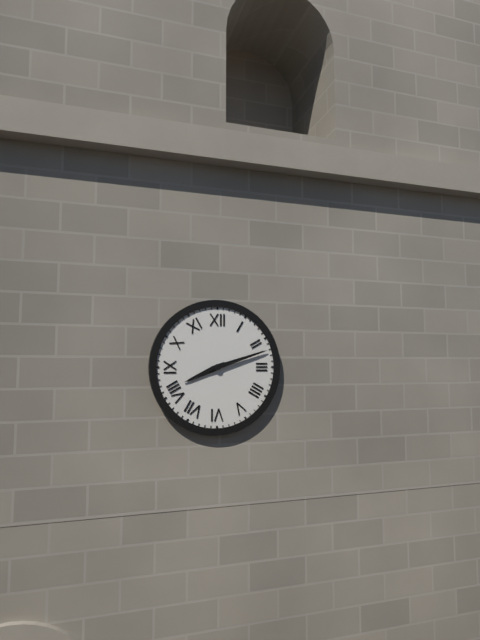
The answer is 8 h 12 min
